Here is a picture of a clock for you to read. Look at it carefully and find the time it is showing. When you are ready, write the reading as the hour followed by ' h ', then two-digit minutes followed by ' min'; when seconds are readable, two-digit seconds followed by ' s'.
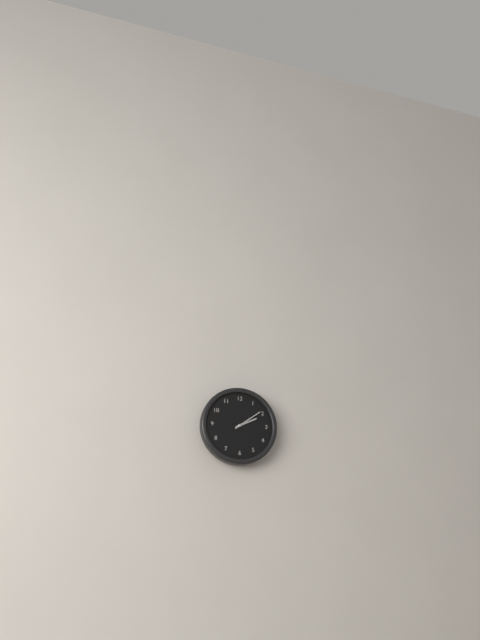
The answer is 2 h 09 min
